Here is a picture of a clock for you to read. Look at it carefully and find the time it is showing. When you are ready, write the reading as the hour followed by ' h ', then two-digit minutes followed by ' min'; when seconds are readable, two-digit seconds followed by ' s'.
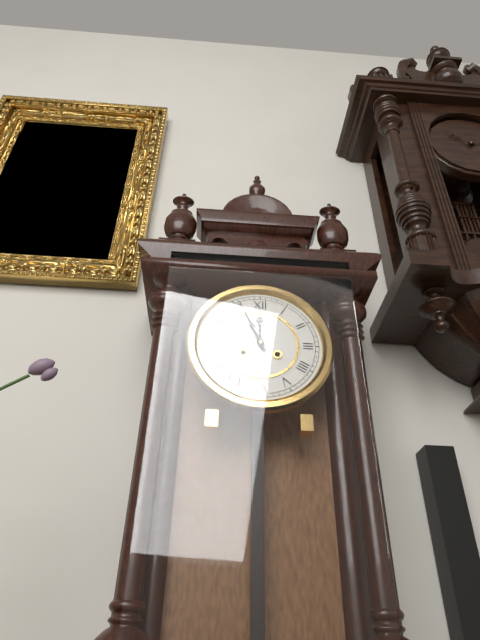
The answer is 11 h 56 min
